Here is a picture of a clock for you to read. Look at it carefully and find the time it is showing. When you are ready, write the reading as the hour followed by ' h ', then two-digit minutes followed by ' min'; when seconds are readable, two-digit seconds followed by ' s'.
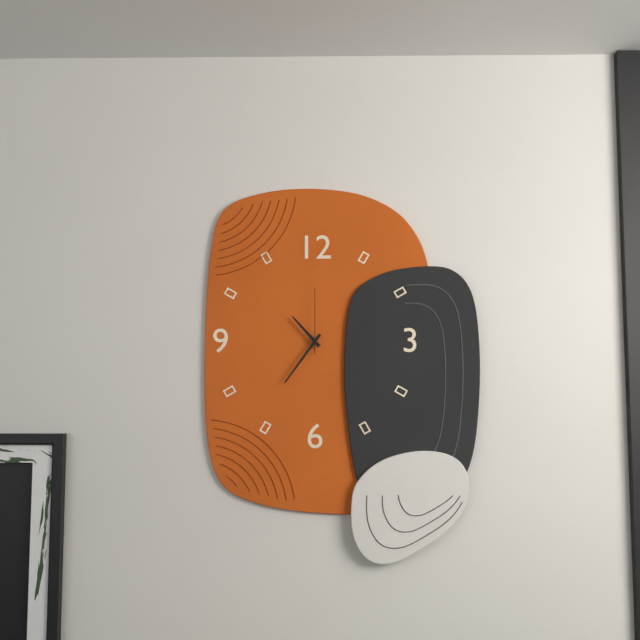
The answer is 10 h 36 min 00 s
